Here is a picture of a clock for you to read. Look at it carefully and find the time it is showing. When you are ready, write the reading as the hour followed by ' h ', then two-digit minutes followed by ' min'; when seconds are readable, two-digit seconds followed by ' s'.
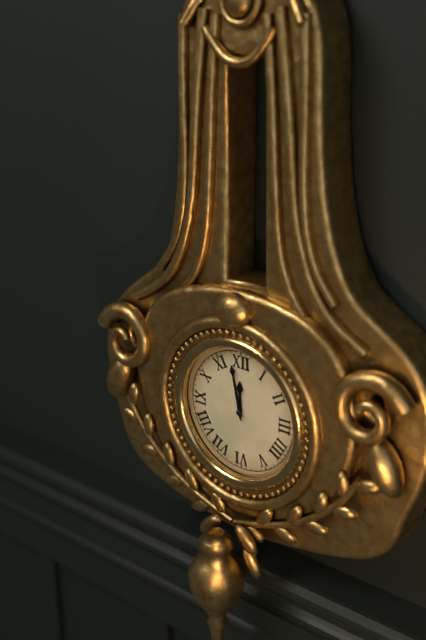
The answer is 11 h 58 min
